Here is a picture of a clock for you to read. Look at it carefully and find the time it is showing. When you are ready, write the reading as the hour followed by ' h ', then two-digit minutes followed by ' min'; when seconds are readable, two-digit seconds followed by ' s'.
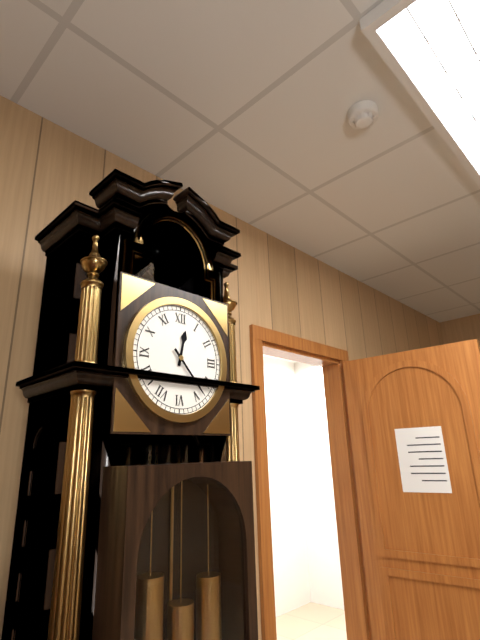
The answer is 12 h 23 min
